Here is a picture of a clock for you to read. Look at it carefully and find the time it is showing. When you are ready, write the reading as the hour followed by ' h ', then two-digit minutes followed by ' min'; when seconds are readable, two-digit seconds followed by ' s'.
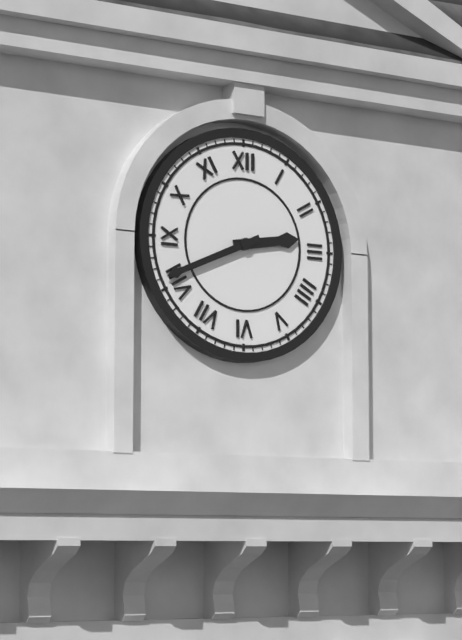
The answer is 2 h 41 min
